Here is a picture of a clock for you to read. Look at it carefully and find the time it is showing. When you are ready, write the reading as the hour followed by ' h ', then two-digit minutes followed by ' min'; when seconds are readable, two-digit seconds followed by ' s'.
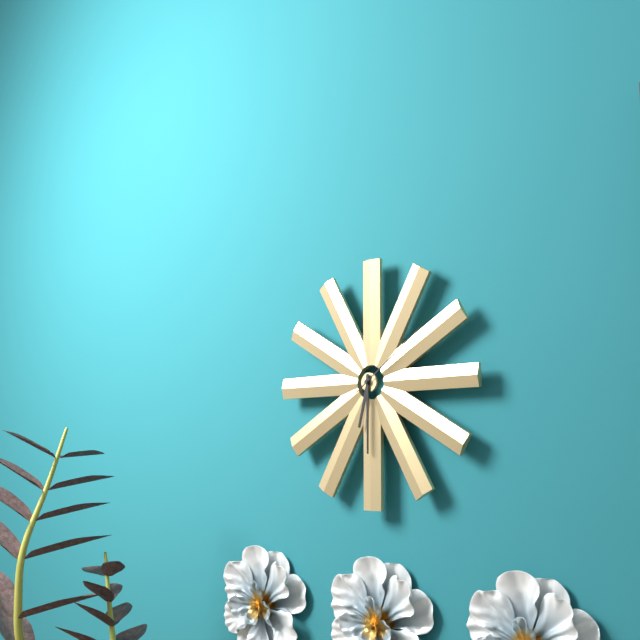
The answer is 6 h 30 min 09 s
